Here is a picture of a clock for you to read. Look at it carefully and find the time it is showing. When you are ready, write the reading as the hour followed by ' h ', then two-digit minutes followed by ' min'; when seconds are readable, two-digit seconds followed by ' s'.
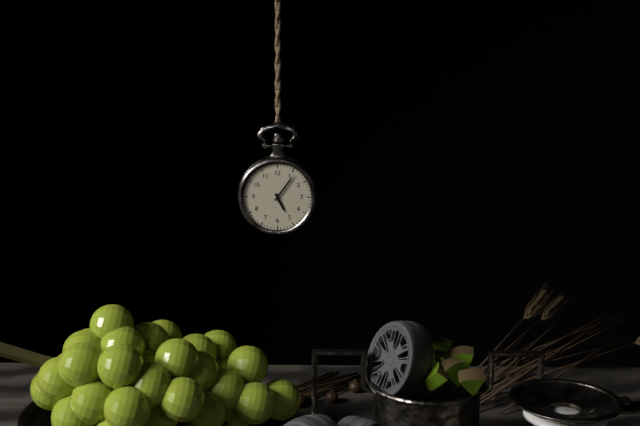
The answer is 5 h 06 min
